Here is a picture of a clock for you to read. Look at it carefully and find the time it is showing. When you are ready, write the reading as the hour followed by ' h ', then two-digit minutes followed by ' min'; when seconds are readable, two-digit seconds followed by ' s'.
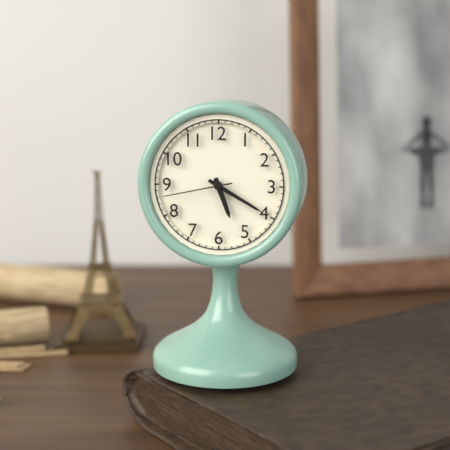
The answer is 5 h 20 min 43 s
